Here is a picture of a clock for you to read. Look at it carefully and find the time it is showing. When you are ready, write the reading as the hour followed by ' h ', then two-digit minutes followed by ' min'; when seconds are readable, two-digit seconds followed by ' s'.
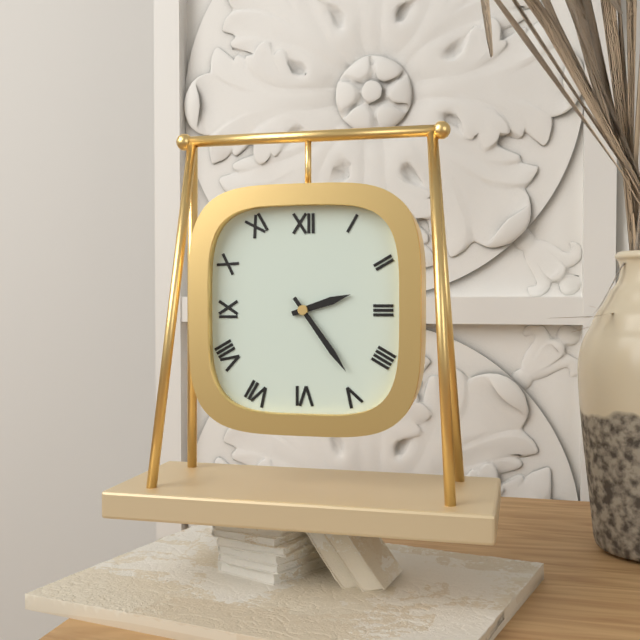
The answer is 2 h 24 min
